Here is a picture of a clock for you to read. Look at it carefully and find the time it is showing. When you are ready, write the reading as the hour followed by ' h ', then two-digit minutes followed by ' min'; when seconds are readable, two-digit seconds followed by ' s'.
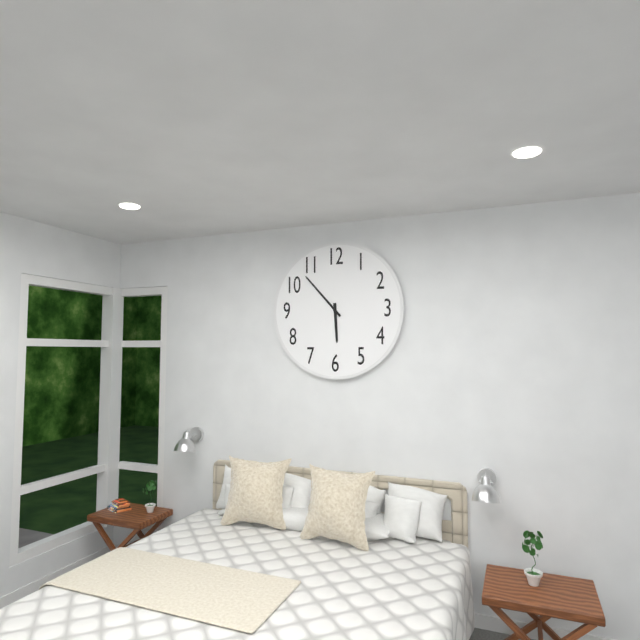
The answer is 5 h 53 min
